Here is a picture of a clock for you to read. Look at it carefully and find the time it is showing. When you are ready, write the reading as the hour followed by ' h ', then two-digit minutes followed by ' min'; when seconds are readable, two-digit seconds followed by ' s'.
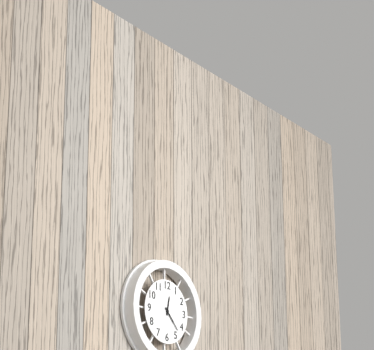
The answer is 12 h 23 min
